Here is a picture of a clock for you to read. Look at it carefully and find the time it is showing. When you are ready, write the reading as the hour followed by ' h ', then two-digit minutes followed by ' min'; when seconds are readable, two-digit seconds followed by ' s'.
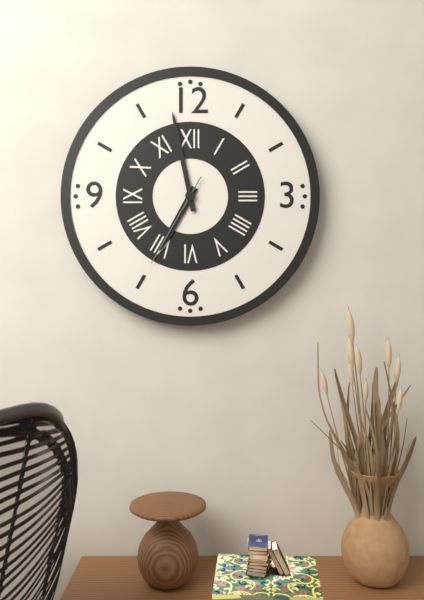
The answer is 6 h 58 min 35 s
